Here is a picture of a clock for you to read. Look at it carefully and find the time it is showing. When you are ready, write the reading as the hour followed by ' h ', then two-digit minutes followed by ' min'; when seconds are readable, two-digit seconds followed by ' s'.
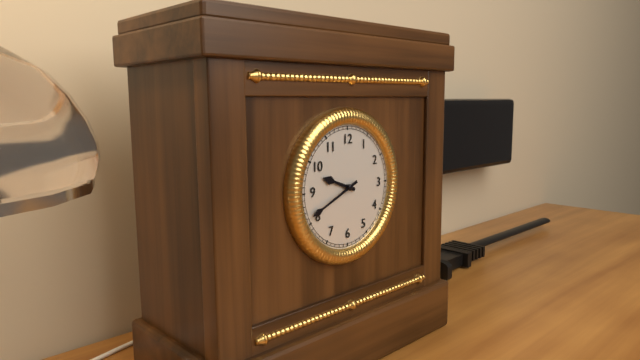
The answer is 9 h 41 min
